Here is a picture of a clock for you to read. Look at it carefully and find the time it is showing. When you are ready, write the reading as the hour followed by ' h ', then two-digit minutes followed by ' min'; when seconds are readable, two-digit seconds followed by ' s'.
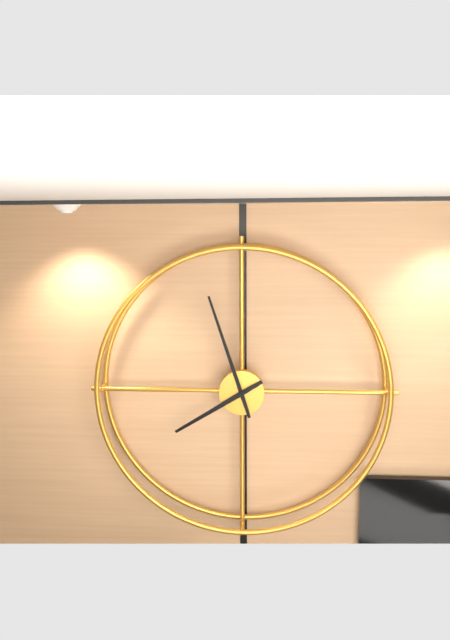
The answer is 7 h 57 min
